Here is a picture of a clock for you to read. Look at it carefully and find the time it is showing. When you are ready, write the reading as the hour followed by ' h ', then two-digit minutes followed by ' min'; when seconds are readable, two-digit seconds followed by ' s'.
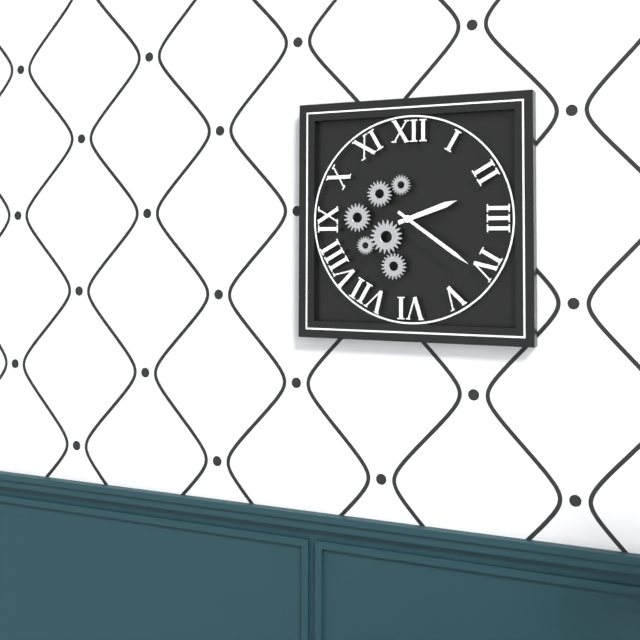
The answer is 2 h 21 min
